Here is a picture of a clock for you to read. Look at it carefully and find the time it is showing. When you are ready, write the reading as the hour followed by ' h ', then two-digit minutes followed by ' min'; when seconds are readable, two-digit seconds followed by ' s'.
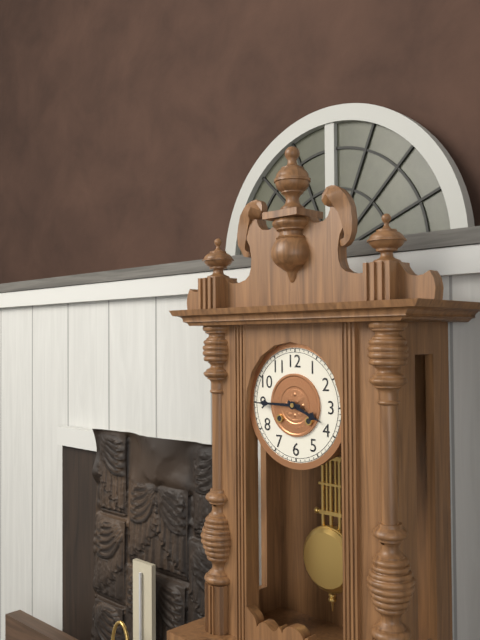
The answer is 3 h 45 min
